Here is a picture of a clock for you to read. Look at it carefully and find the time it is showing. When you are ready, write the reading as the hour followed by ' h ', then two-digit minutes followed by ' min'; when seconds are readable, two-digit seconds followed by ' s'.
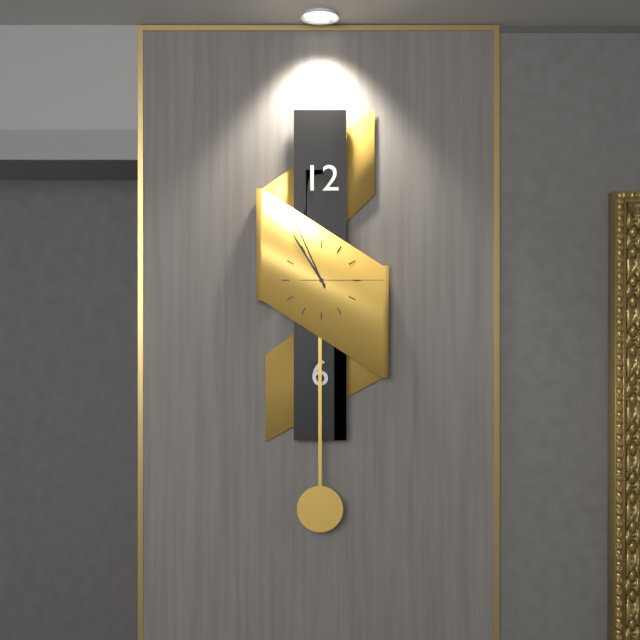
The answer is 10 h 56 min 15 s
